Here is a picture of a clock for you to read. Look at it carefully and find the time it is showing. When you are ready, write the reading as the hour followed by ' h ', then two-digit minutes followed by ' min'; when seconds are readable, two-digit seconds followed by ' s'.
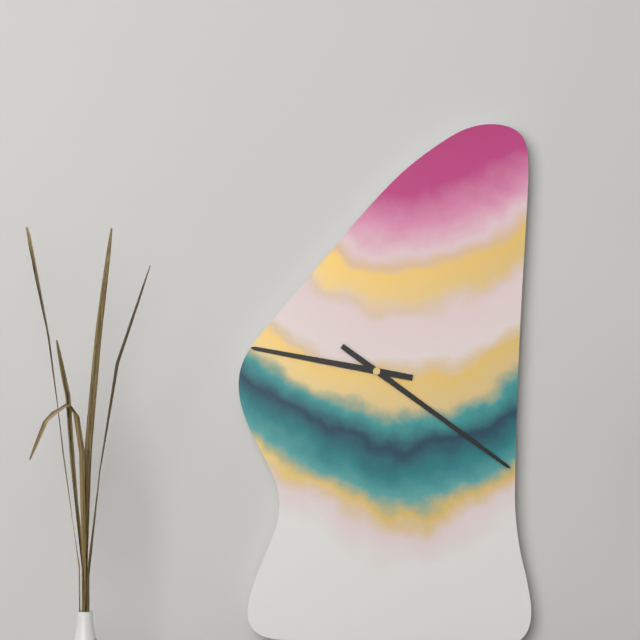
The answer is 9 h 21 min
